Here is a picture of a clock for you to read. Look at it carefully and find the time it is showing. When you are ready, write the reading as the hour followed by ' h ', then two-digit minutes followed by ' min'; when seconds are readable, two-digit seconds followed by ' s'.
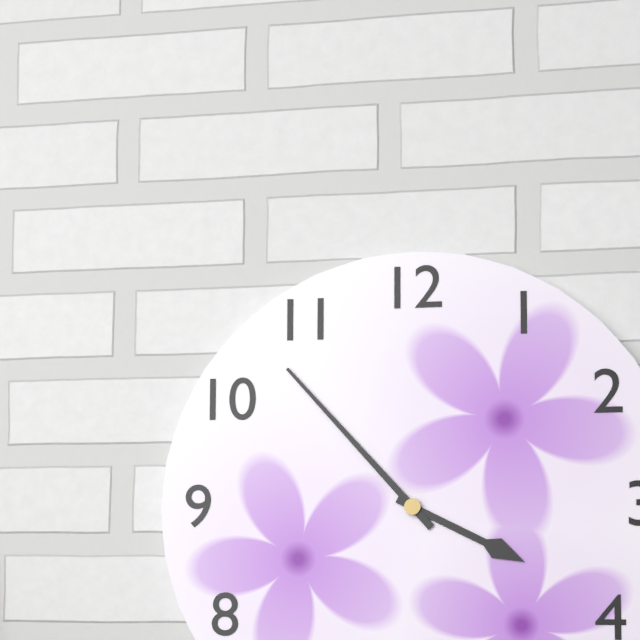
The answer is 3 h 53 min
